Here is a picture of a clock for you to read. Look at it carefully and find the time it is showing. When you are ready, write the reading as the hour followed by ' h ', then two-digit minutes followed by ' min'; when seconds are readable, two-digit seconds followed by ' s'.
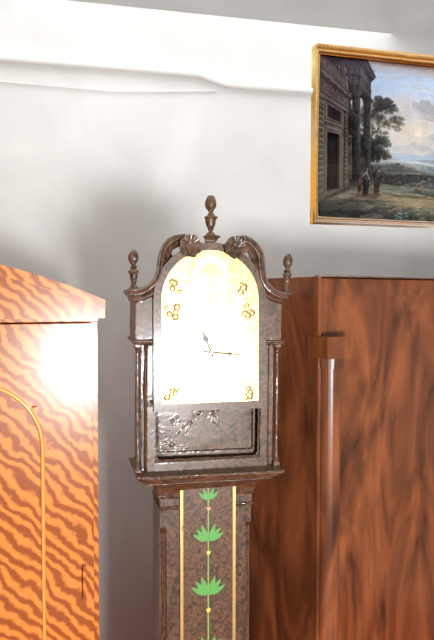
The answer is 11 h 16 min
